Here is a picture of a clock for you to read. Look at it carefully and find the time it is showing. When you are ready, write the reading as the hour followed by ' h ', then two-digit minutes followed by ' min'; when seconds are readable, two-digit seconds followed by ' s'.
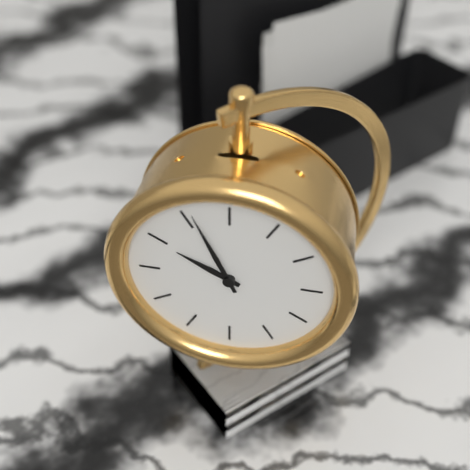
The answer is 9 h 56 min
